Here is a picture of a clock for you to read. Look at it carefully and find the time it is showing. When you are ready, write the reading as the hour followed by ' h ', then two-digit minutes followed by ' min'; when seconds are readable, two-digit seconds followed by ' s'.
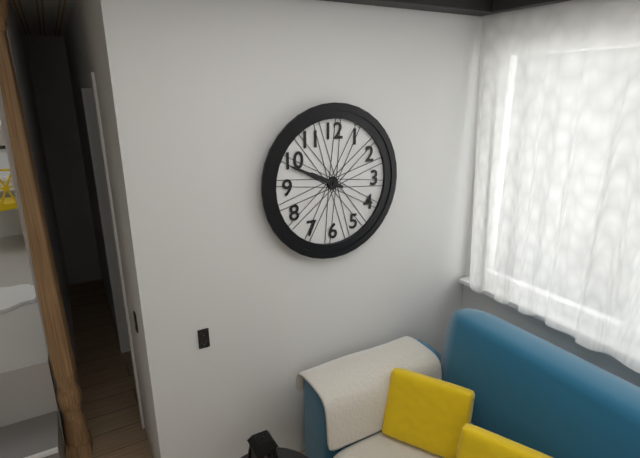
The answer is 9 h 49 min
